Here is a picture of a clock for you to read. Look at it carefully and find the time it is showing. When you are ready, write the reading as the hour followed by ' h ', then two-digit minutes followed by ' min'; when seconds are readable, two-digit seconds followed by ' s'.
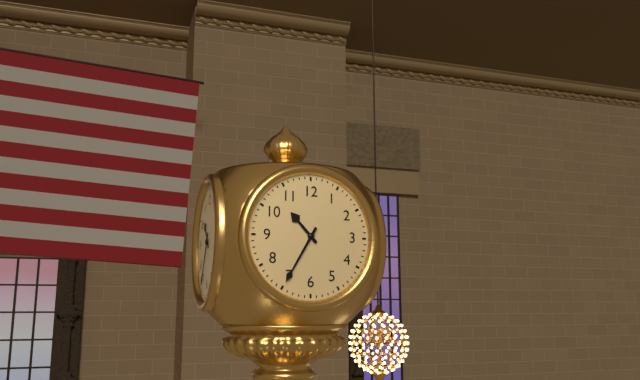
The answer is 10 h 35 min
